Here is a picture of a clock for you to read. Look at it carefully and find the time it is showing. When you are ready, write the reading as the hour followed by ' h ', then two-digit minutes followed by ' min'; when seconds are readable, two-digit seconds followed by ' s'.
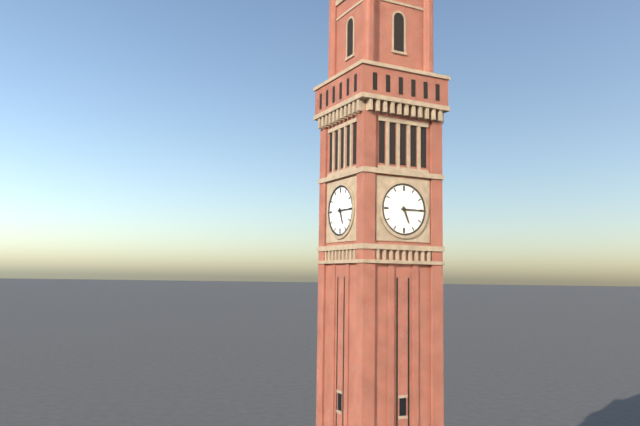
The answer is 5 h 15 min
